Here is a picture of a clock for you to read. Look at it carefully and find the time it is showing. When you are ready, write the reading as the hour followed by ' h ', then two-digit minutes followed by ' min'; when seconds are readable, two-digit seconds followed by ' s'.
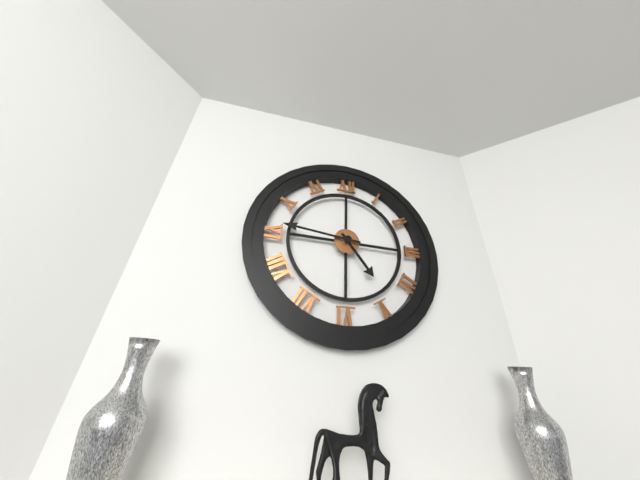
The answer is 4 h 46 min
